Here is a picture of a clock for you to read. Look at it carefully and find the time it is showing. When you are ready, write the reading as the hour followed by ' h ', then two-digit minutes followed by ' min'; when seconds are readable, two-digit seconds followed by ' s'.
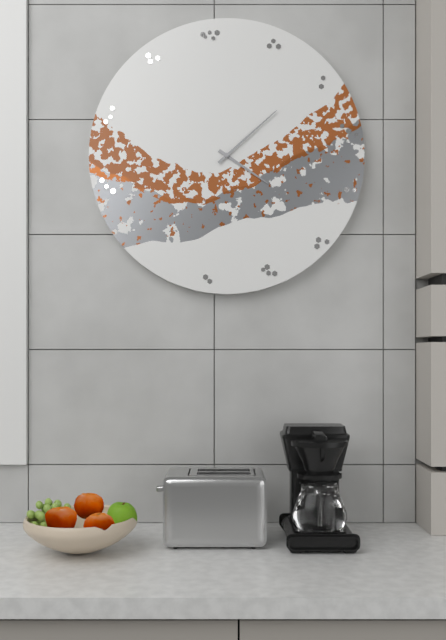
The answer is 4 h 08 min
